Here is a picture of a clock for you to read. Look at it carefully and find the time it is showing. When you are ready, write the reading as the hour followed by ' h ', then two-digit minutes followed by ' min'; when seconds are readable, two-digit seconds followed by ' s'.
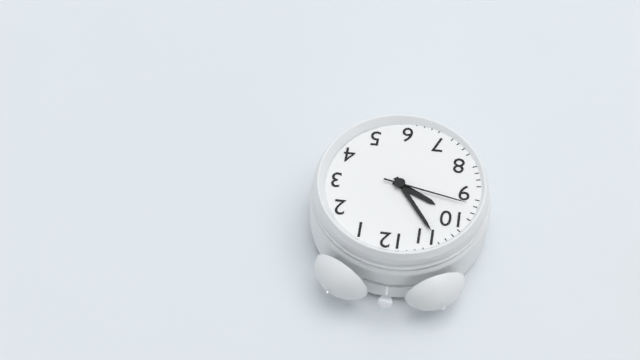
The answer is 9 h 54 min 47 s
